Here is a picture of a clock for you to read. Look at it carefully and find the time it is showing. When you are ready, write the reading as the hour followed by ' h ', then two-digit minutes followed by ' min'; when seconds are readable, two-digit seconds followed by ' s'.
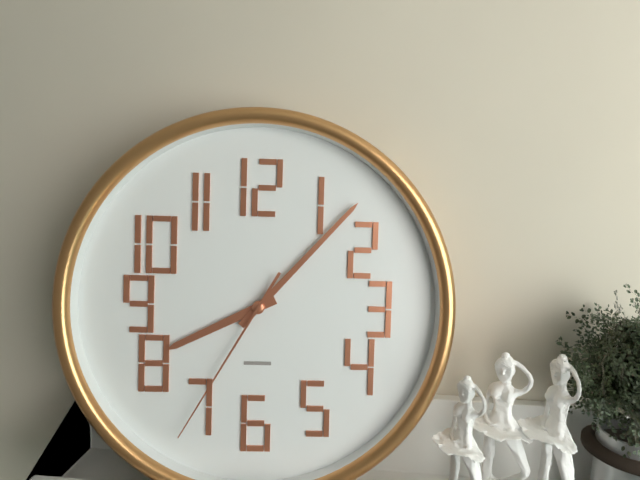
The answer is 8 h 07 min 35 s
